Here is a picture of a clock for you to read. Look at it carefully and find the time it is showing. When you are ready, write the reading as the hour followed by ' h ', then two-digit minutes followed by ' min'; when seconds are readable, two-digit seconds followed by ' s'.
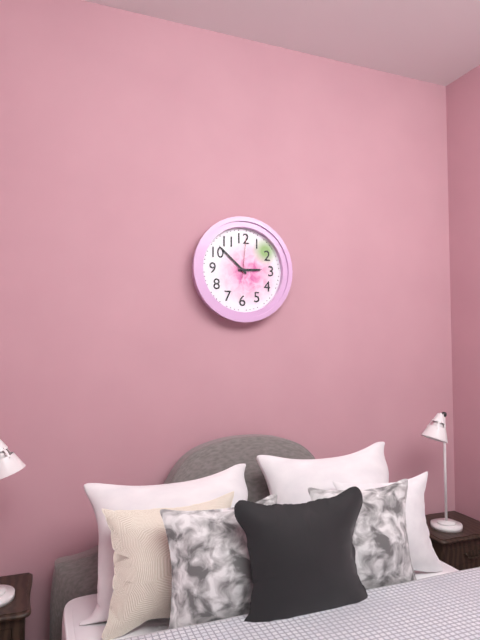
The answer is 2 h 52 min
